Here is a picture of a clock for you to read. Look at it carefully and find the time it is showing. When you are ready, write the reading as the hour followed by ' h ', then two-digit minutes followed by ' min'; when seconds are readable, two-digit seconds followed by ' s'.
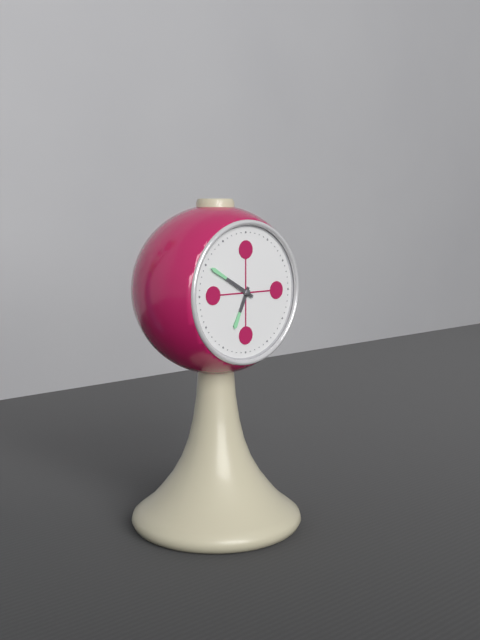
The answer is 6 h 50 min
